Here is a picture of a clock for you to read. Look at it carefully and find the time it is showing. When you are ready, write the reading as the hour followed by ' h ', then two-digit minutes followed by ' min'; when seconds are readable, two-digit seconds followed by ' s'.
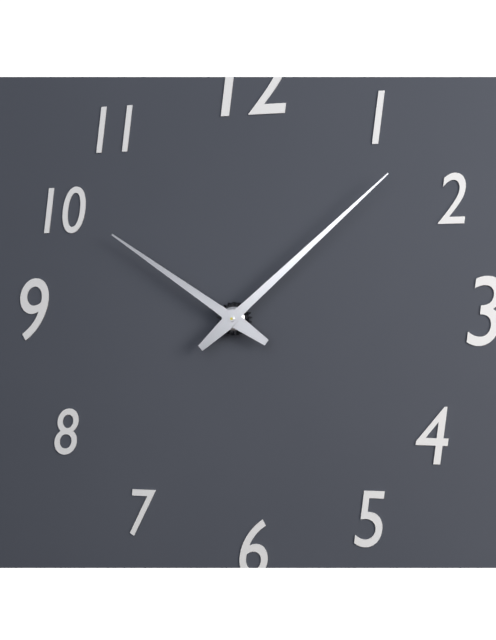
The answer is 10 h 08 min
